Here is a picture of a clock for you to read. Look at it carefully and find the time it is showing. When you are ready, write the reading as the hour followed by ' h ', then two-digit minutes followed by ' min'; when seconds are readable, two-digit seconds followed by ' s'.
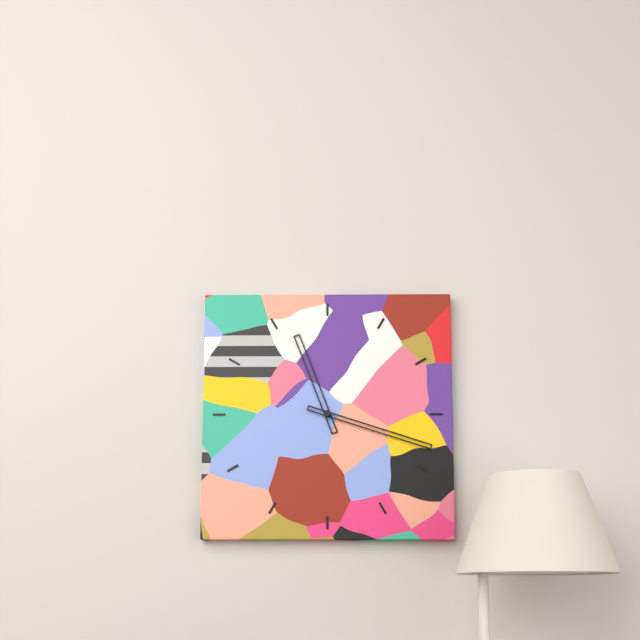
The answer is 11 h 18 min
